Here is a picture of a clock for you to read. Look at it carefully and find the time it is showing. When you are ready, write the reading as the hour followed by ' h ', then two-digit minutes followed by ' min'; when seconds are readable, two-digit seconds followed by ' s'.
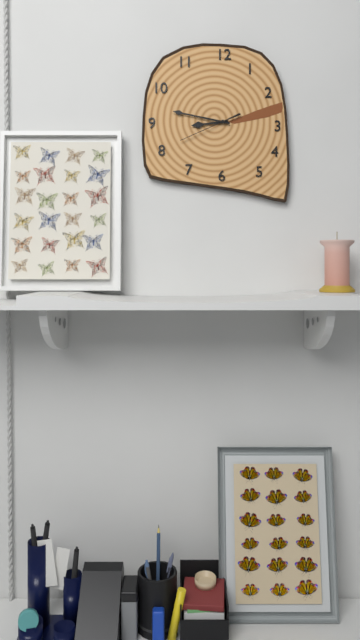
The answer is 8 h 47 min 41 s
